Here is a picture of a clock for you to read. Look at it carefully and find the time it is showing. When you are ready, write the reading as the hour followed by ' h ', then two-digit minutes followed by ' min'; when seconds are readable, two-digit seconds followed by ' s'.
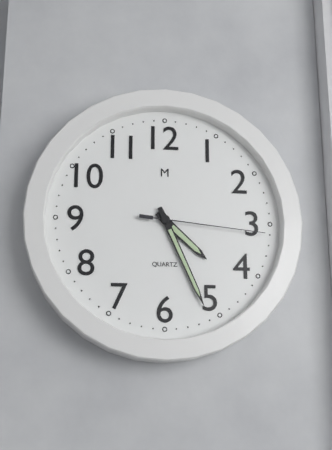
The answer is 4 h 26 min 16 s
